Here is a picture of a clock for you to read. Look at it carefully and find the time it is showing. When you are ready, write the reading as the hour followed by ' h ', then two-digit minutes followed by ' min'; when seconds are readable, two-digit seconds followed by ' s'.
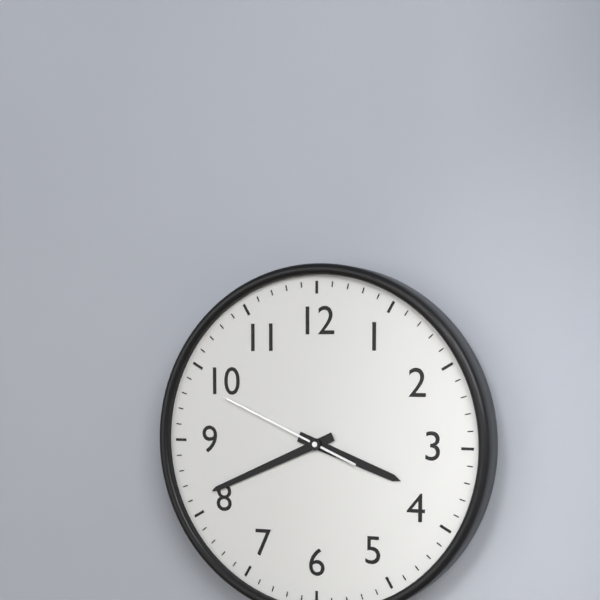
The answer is 3 h 41 min 49 s
